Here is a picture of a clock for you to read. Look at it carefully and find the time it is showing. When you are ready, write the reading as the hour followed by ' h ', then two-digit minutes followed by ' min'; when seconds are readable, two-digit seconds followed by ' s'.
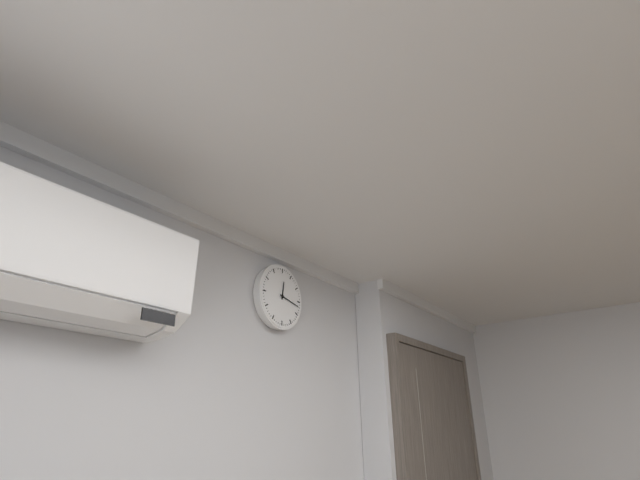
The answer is 12 h 17 min
